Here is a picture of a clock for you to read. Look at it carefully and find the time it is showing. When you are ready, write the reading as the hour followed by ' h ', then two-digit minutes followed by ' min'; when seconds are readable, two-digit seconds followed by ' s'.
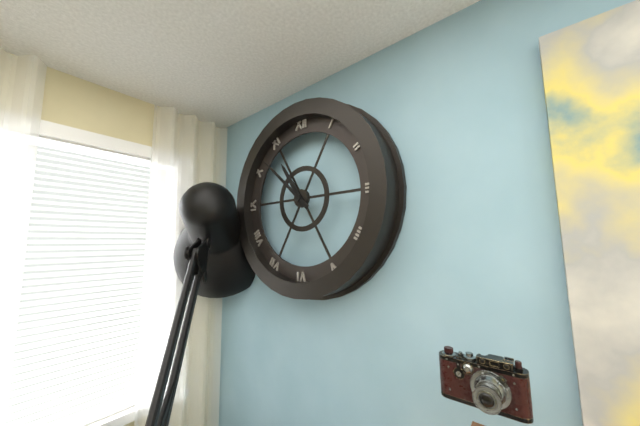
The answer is 10 h 52 min
